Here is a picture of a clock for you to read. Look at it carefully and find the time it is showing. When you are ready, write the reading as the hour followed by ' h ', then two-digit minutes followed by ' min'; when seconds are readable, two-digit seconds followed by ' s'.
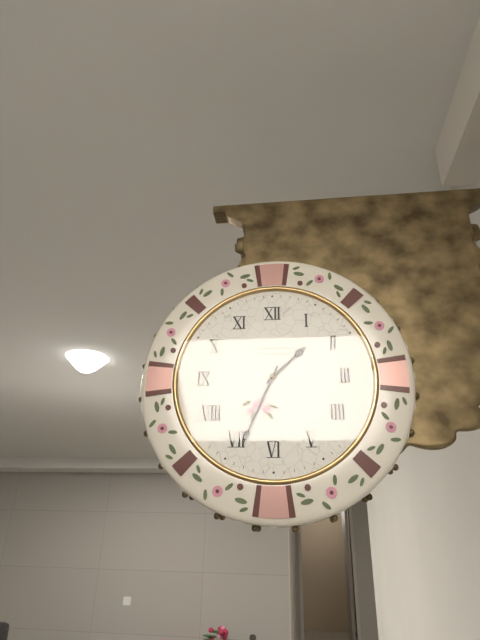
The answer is 1 h 34 min
